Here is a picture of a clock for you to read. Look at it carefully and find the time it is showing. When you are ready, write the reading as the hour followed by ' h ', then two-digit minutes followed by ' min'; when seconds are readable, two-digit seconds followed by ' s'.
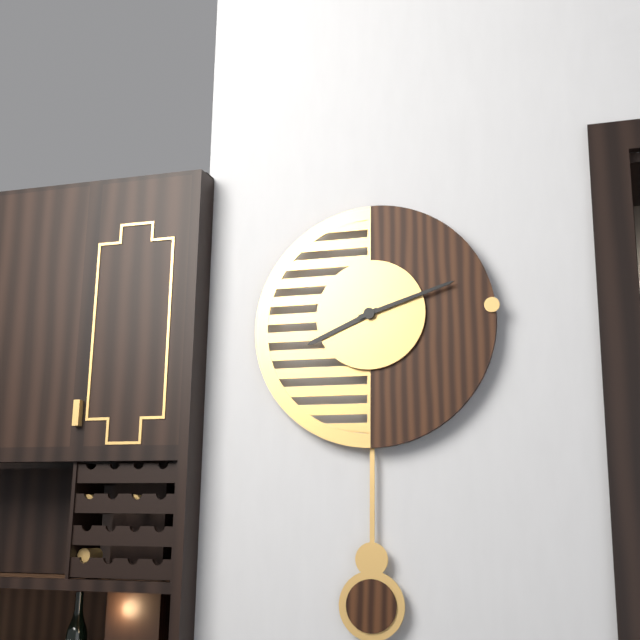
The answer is 8 h 12 min
